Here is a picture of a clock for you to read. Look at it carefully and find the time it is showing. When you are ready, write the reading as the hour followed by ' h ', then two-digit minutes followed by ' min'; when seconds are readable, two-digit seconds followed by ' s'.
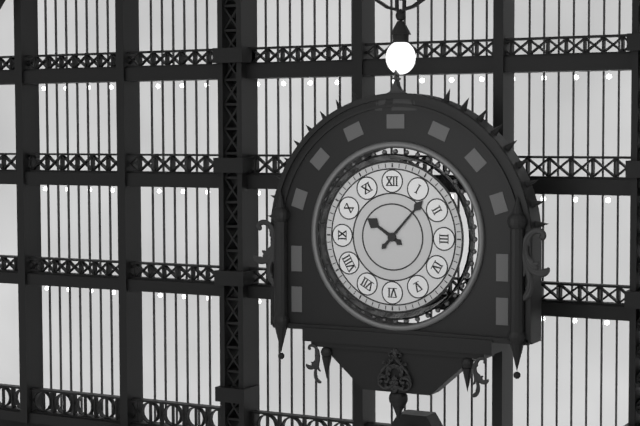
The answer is 10 h 07 min
